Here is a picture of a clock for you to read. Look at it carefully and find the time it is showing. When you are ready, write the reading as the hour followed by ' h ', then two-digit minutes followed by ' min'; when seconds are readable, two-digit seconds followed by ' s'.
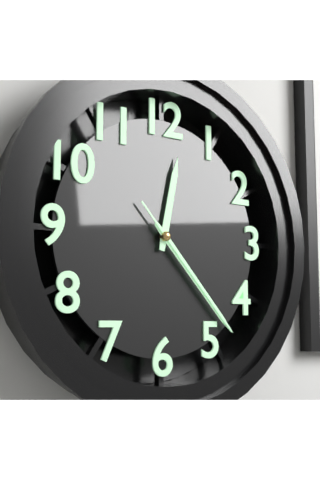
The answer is 12 h 23 min 23 s
